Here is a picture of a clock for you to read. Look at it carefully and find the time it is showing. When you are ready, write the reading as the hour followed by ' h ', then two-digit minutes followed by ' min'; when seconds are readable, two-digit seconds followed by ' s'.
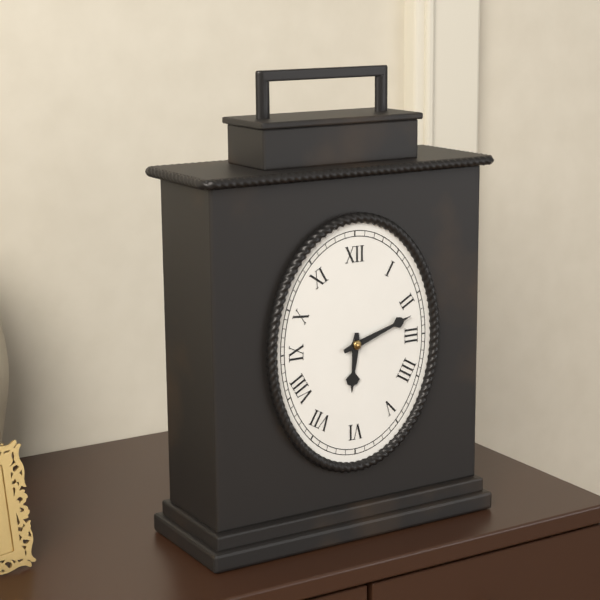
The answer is 6 h 12 min
